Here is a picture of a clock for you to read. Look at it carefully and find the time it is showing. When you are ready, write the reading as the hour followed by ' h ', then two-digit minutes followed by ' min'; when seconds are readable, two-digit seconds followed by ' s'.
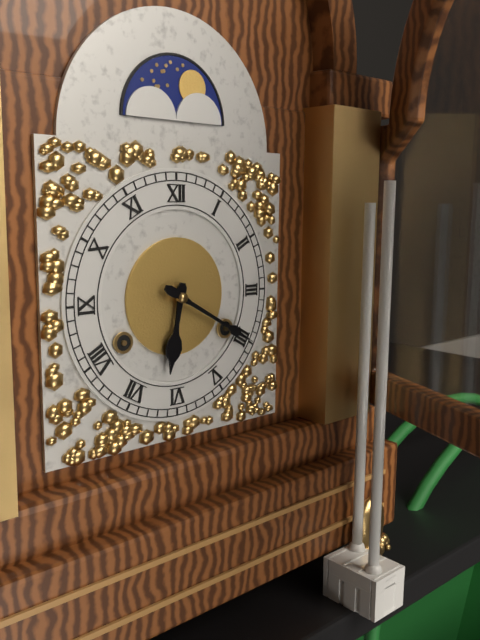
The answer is 6 h 20 min
